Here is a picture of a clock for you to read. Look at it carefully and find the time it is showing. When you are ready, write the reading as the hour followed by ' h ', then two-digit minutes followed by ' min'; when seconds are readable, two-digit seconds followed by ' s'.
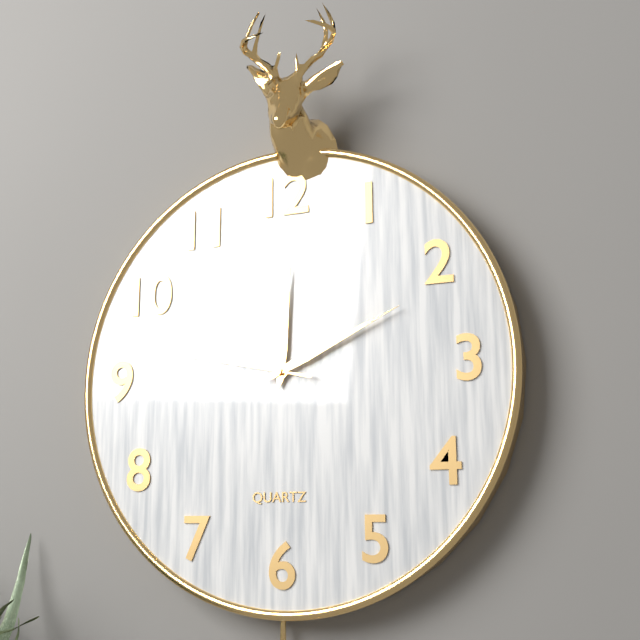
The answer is 12 h 11 min 47 s
